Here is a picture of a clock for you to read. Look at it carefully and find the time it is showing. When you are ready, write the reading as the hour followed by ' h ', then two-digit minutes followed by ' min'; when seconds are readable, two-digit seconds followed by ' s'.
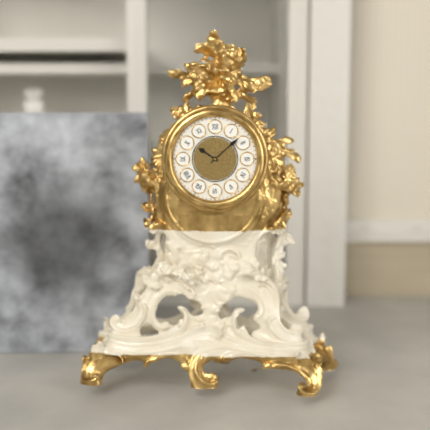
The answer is 10 h 08 min
